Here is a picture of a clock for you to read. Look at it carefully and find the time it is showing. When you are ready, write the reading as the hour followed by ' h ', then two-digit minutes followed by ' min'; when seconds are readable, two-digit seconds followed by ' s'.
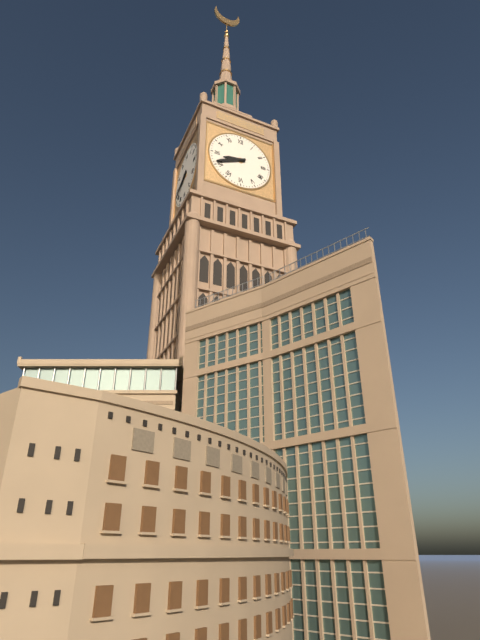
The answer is 8 h 41 min
